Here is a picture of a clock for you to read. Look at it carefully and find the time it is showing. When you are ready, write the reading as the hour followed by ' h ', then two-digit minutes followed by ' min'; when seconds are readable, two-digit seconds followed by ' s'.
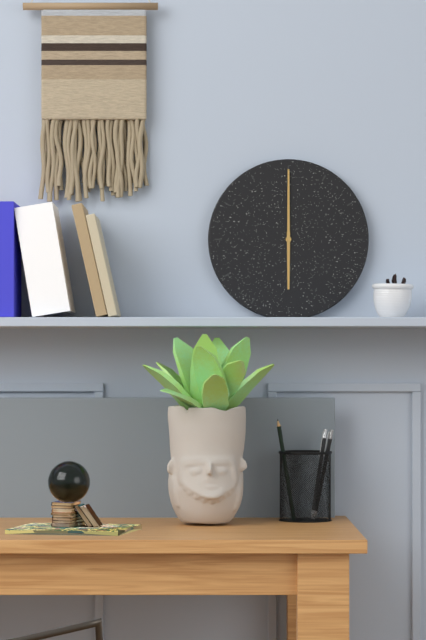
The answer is 6 h 00 min
